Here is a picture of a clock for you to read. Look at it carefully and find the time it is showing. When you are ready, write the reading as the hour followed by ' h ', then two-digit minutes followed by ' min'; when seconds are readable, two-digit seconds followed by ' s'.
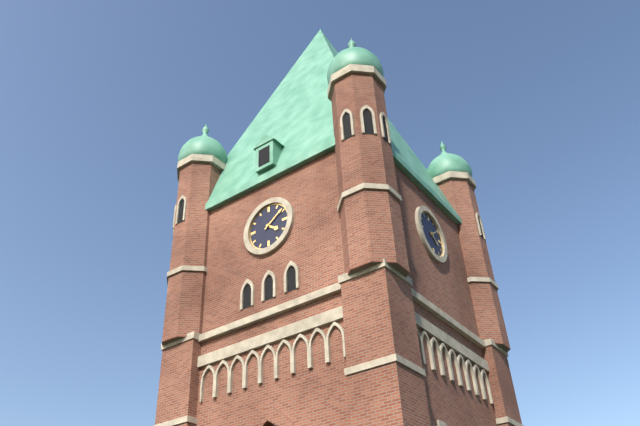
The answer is 4 h 09 min
